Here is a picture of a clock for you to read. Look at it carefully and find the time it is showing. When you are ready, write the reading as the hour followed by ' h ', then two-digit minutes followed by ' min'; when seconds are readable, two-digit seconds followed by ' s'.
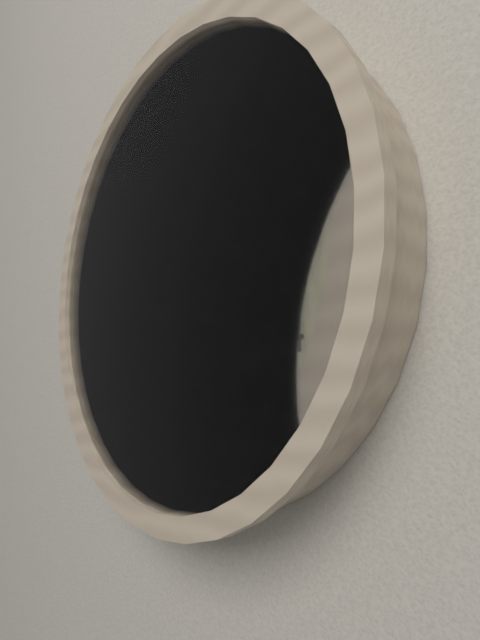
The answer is 12 h 26 min 33 s
